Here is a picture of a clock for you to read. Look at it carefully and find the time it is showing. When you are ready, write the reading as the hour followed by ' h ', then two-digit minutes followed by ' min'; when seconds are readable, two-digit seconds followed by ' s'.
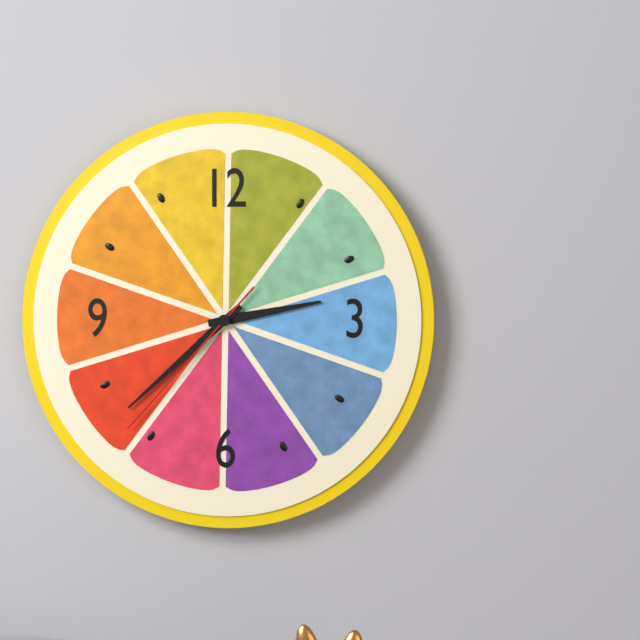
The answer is 2 h 38 min 37 s
